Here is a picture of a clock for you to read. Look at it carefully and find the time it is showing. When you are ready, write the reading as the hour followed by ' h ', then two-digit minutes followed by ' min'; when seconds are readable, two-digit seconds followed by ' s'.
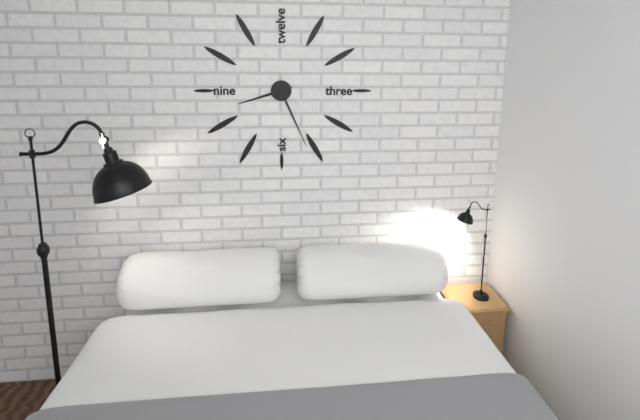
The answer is 8 h 26 min
